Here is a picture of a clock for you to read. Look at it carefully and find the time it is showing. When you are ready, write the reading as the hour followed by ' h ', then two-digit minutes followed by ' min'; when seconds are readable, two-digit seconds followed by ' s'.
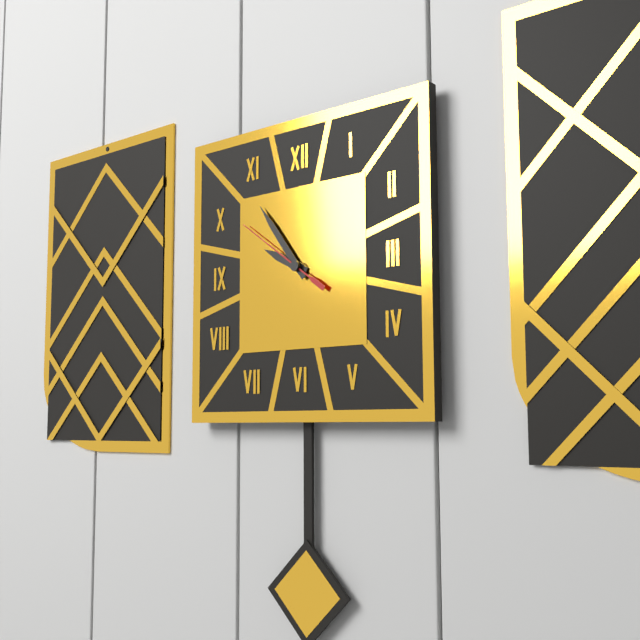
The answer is 9 h 54 min 51 s
